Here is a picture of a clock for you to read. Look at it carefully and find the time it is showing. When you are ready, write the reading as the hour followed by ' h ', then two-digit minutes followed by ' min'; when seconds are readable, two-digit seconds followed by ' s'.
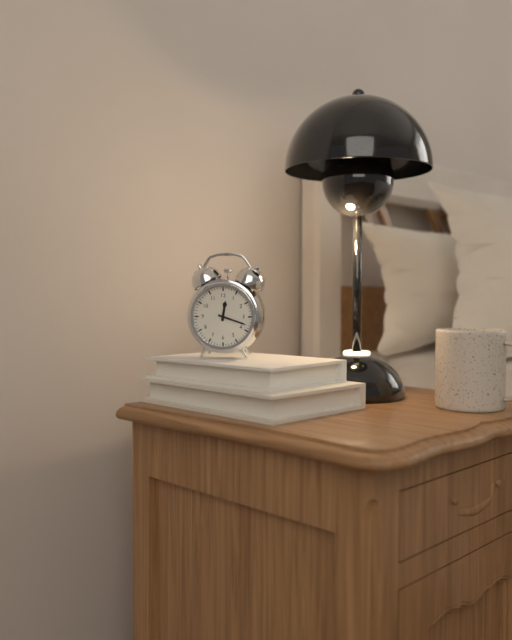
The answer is 12 h 18 min
